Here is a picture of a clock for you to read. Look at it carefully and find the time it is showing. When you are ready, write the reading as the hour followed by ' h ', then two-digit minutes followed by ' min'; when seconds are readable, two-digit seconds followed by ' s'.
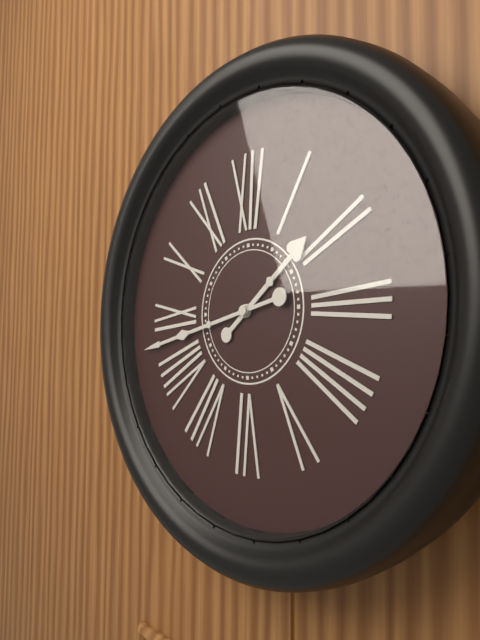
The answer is 1 h 43 min
